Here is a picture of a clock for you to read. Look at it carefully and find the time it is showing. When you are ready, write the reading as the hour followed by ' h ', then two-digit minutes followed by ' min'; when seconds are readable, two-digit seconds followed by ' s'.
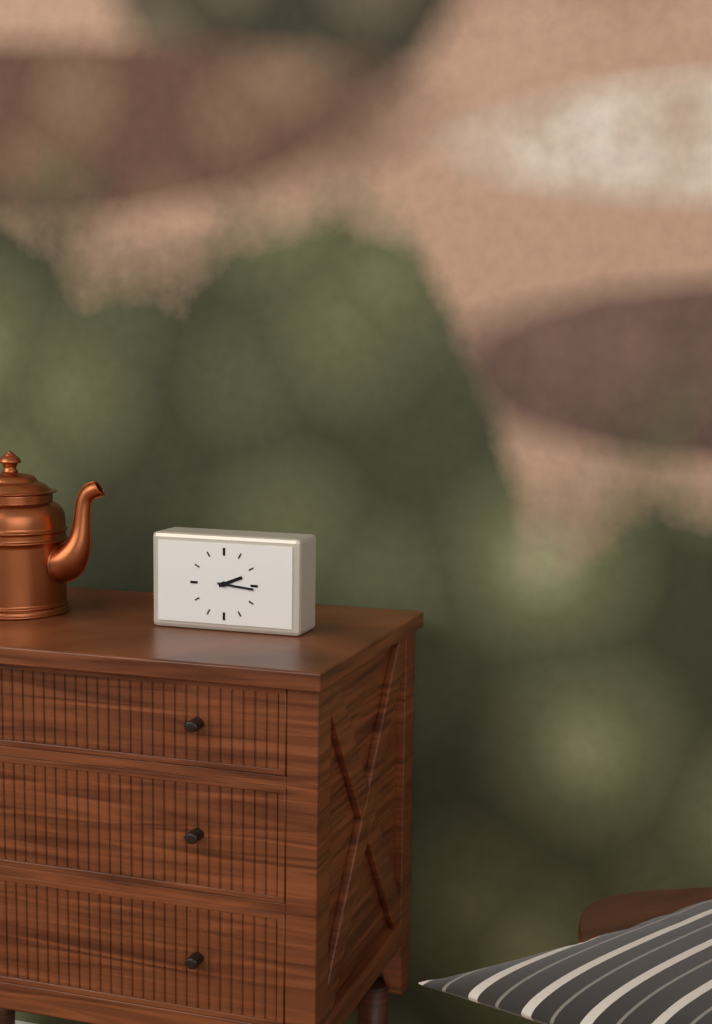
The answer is 2 h 16 min
